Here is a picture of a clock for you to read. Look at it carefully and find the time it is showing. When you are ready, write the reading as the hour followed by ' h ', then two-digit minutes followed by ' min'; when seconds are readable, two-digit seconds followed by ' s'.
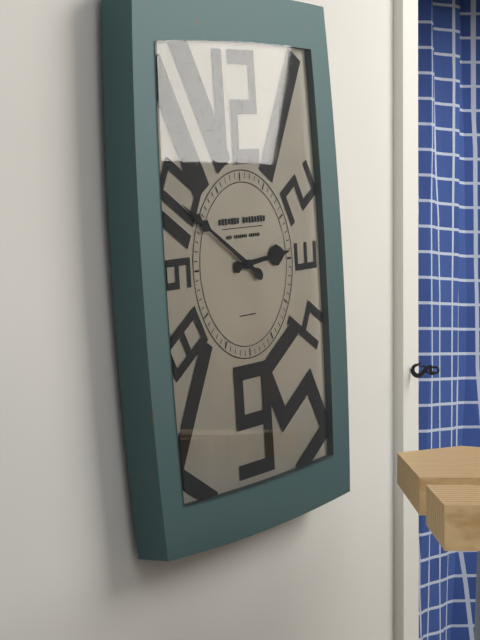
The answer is 2 h 50 min
